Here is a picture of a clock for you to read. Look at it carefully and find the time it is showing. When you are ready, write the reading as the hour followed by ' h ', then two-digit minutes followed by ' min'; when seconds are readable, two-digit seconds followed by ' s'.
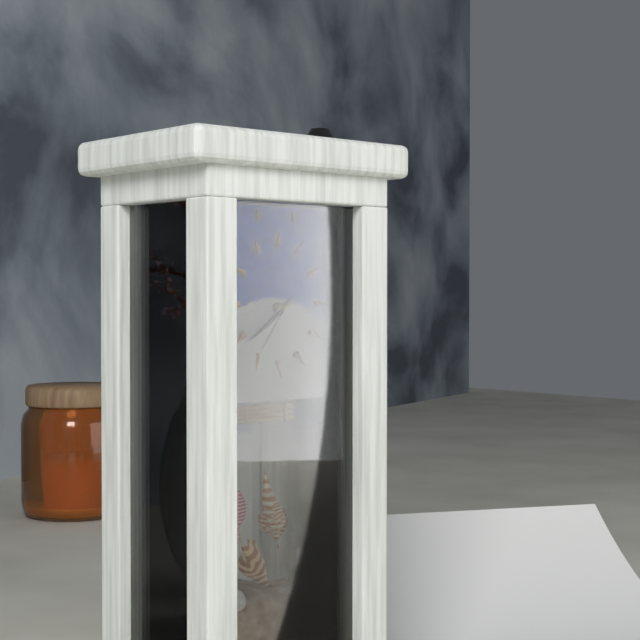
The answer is 7 h 39 min 36 s
